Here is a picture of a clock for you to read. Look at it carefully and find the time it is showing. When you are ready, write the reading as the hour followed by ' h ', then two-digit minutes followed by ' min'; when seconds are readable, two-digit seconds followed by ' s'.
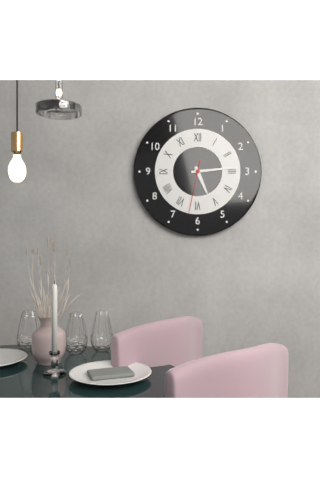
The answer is 5 h 14 min 32 s
